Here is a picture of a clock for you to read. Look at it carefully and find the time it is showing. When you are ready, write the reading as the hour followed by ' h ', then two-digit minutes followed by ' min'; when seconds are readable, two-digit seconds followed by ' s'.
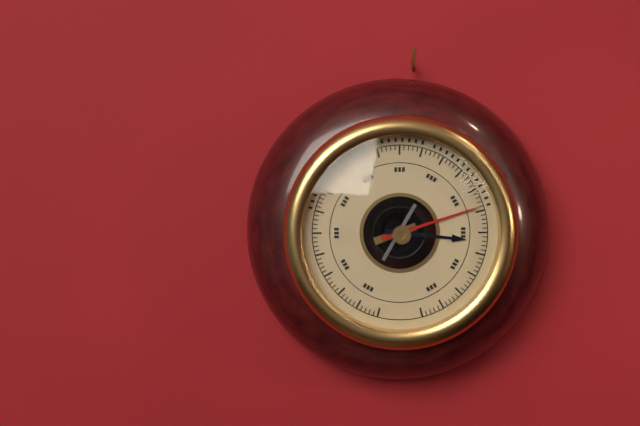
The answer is 3 h 12 min
